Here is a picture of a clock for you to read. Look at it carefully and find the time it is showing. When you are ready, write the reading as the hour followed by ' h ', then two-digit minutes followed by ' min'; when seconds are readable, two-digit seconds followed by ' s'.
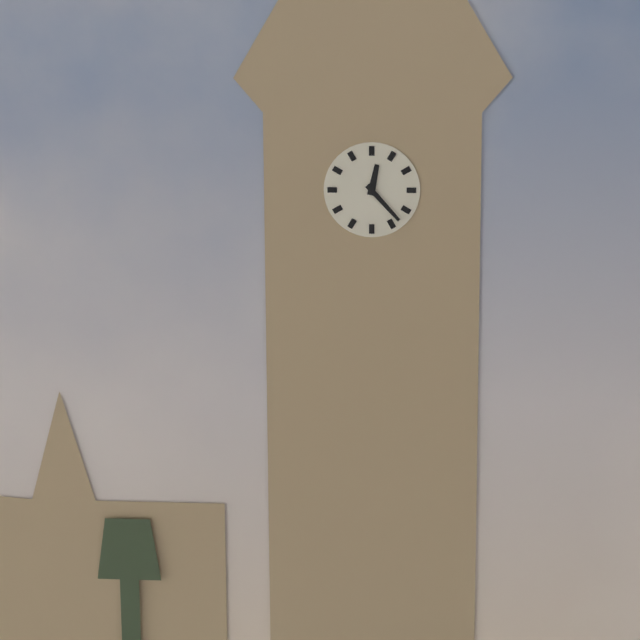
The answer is 12 h 23 min
